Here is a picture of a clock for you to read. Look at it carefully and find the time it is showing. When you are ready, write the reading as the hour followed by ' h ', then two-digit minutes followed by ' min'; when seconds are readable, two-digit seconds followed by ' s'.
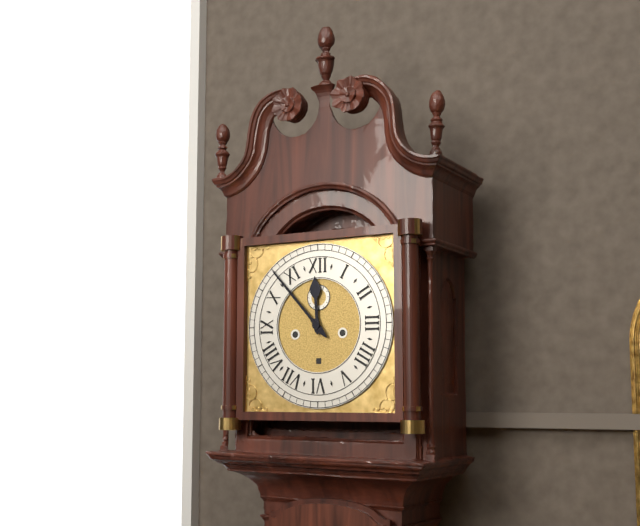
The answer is 11 h 53 min
